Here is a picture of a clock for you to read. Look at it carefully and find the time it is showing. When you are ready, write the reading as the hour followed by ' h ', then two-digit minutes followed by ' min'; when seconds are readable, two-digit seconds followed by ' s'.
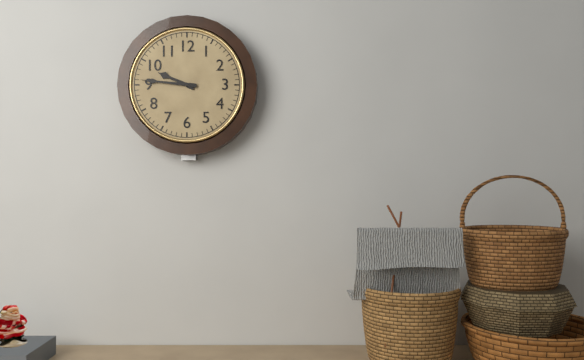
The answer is 9 h 46 min
